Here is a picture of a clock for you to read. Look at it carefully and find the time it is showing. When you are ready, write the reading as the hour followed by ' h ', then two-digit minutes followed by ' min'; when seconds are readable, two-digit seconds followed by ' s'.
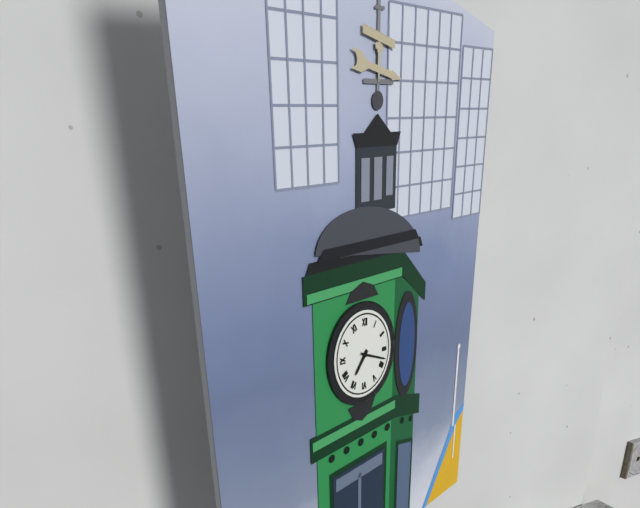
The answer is 7 h 18 min
